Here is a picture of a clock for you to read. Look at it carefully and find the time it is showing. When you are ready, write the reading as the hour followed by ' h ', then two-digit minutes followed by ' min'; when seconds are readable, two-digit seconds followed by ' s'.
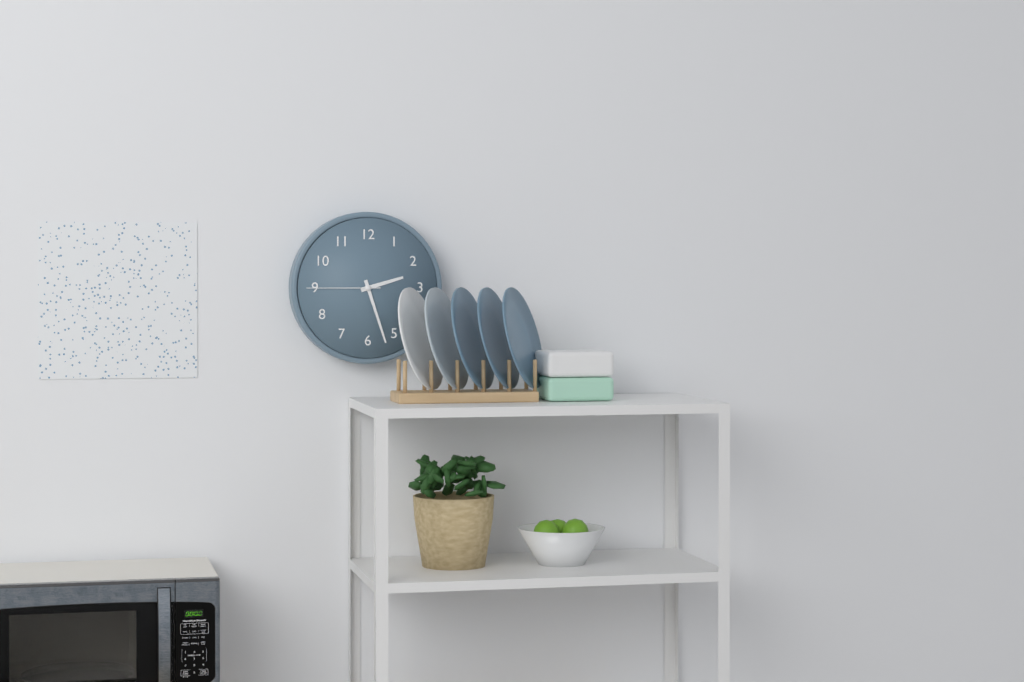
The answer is 2 h 27 min 45 s
